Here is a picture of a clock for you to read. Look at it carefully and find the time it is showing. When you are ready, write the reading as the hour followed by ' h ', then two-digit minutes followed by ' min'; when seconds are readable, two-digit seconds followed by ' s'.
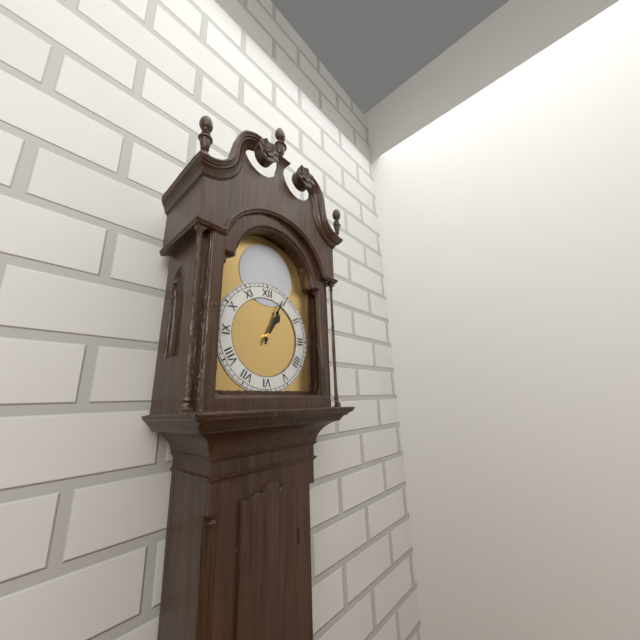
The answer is 1 h 04 min
